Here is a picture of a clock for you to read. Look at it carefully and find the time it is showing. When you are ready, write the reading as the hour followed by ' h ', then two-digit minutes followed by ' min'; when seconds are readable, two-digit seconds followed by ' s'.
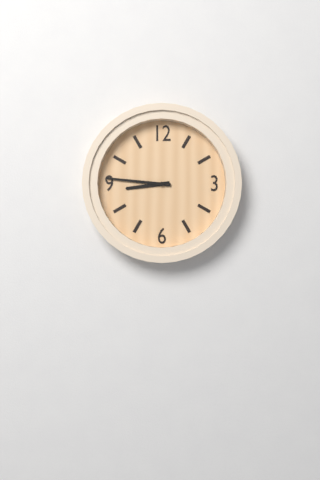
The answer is 8 h 46 min
